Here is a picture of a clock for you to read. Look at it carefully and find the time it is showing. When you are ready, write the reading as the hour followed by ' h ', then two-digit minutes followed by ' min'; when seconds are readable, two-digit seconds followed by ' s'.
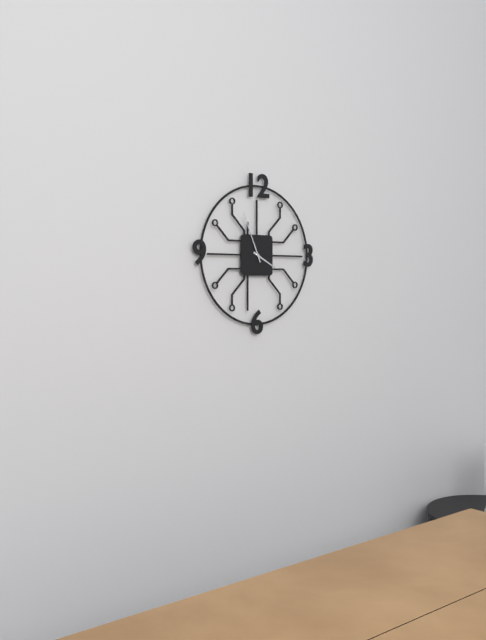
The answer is 3 h 56 min
